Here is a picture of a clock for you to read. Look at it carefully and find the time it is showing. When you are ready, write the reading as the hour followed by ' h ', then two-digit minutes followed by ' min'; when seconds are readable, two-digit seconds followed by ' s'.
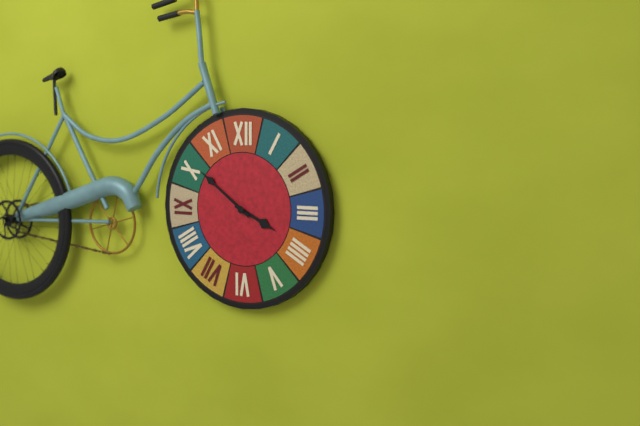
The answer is 3 h 51 min
